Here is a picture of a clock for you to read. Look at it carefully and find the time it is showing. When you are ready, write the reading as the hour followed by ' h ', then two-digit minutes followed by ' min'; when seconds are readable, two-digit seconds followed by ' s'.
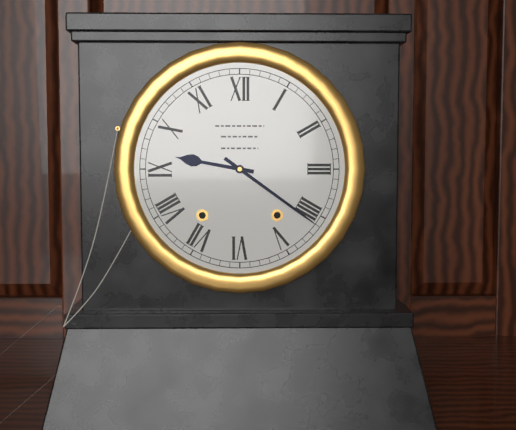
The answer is 9 h 21 min
